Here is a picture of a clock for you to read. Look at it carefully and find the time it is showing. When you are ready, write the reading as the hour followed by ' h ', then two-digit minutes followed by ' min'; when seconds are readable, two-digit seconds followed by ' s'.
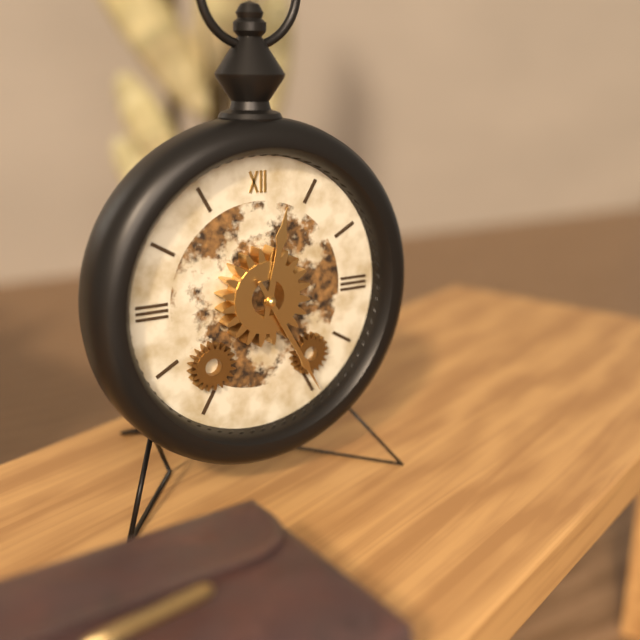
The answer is 12 h 25 min
